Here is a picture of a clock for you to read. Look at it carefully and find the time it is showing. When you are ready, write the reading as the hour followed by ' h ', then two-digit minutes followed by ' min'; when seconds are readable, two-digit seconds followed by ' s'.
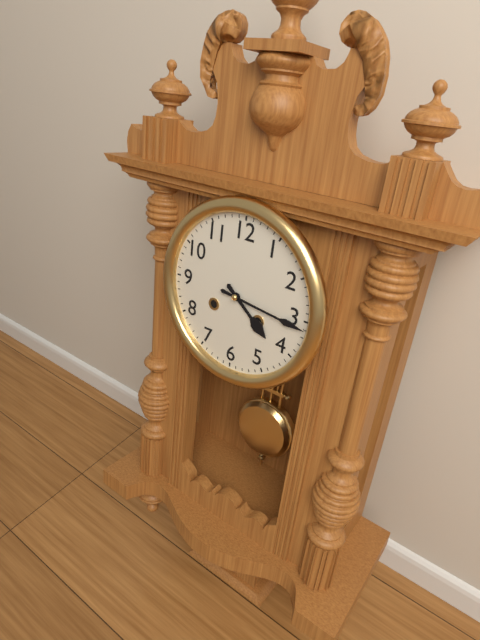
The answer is 4 h 16 min
